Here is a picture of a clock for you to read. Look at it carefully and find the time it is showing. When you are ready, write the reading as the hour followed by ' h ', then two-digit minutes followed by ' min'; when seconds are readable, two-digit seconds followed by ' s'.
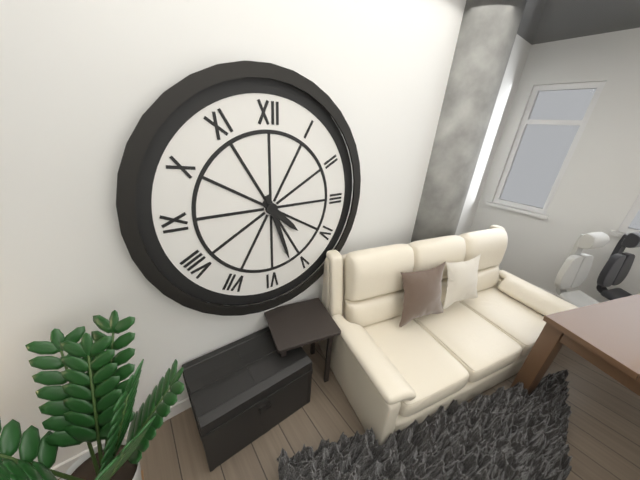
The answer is 4 h 27 min
